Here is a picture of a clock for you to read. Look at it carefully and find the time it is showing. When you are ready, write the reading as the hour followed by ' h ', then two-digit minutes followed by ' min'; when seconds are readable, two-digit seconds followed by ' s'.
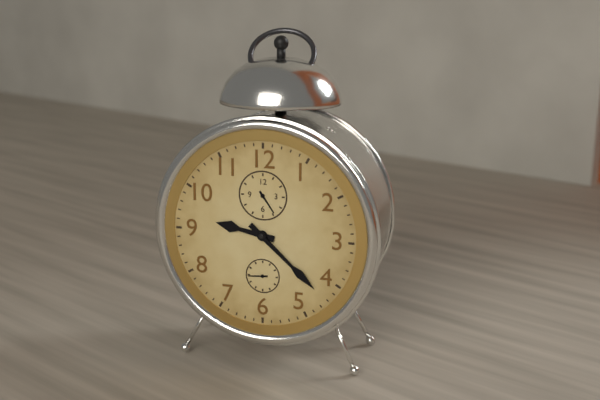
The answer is 9 h 22 min
